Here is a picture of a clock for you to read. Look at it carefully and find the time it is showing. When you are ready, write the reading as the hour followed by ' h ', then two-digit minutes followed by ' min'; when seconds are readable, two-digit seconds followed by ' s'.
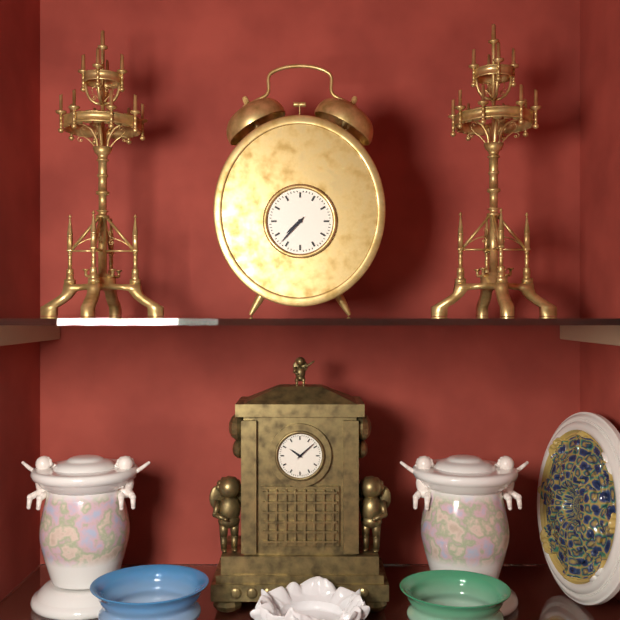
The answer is 7 h 37 min
